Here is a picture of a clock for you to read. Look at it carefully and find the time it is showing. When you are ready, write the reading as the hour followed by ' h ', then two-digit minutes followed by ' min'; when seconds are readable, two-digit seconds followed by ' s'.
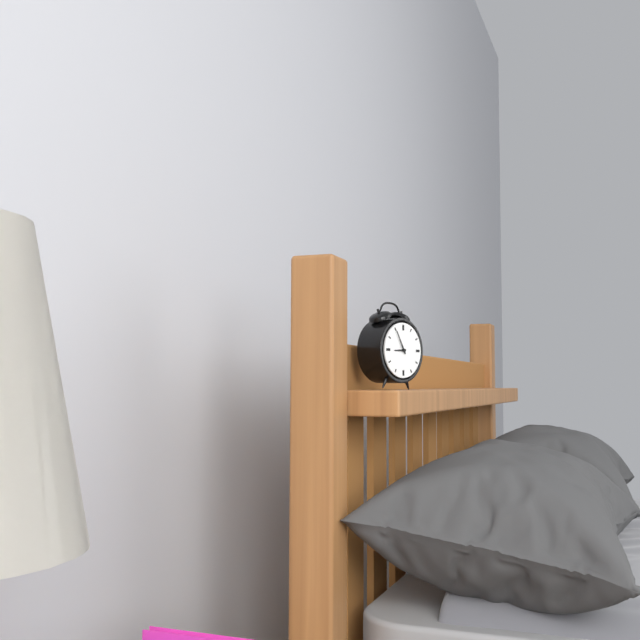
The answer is 8 h 55 min
